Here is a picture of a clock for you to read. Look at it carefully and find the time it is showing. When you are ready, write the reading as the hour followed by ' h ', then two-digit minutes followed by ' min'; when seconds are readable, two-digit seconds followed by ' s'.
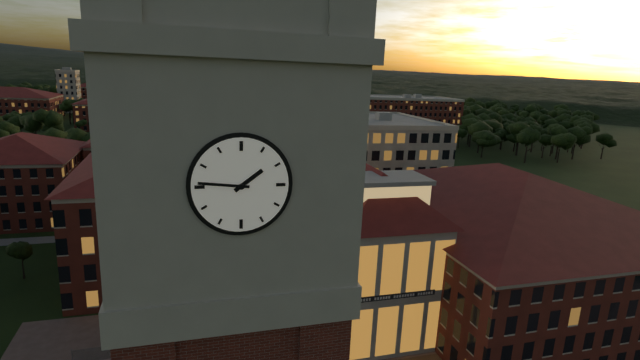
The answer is 1 h 46 min
